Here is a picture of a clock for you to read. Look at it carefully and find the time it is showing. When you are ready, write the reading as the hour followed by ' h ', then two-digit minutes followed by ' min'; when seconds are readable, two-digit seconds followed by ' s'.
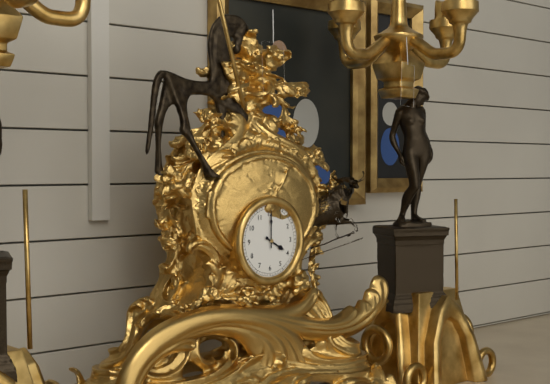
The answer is 4 h 00 min
